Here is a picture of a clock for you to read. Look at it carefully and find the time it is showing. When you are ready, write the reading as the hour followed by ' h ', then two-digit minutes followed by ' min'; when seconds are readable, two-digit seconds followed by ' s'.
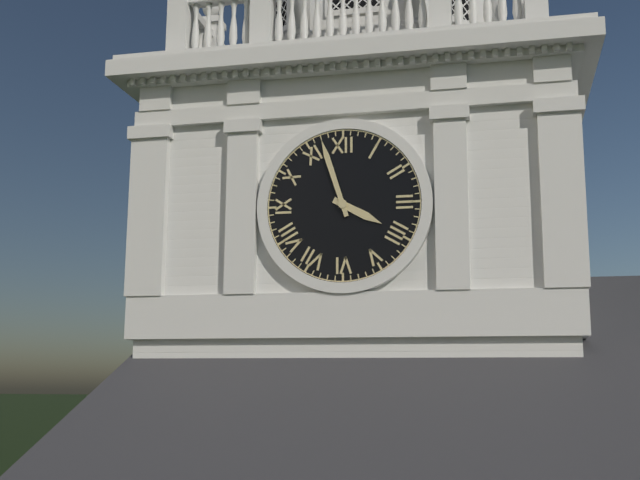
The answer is 3 h 57 min
